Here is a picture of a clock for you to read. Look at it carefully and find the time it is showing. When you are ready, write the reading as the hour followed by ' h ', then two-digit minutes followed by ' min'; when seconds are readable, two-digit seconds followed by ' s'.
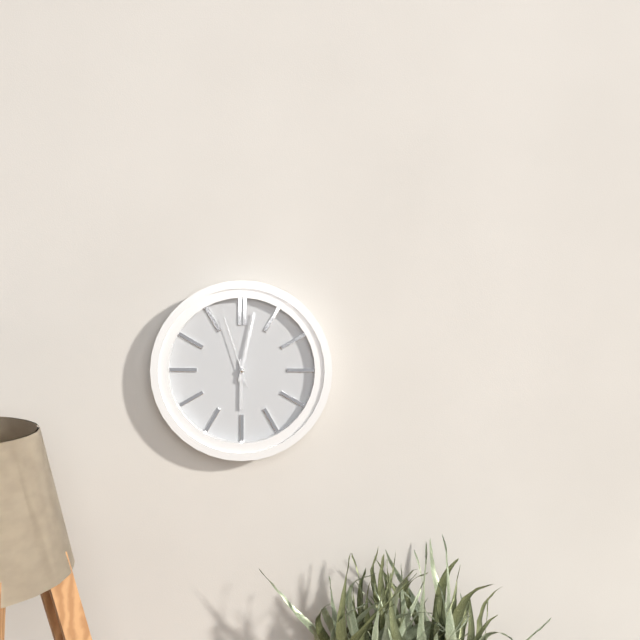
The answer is 6 h 02 min 57 s
